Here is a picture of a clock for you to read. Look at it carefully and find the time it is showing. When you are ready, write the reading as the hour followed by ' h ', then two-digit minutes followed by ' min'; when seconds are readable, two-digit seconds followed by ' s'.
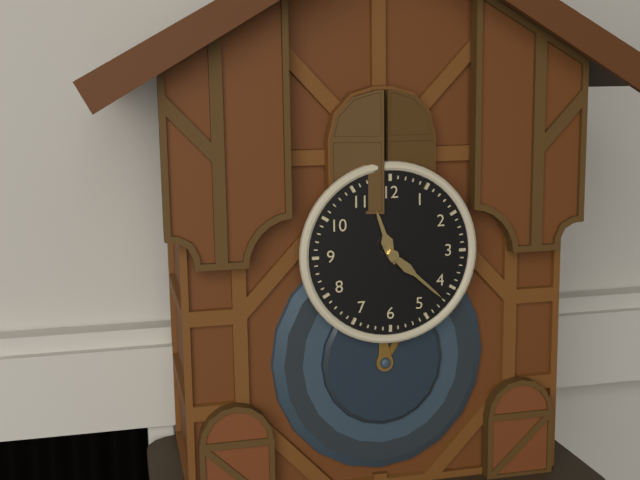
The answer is 11 h 22 min
